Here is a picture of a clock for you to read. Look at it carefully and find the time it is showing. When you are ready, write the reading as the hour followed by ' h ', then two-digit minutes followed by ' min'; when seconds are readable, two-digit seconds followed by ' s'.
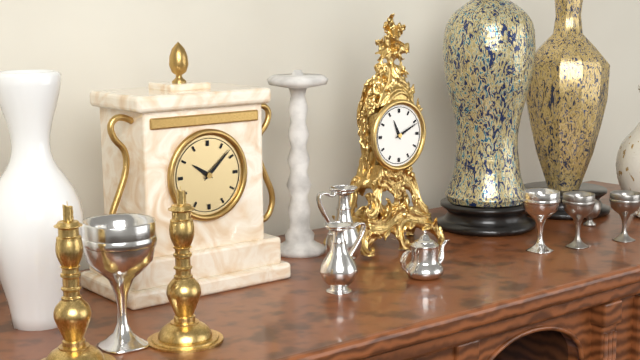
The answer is 11 h 11 min
